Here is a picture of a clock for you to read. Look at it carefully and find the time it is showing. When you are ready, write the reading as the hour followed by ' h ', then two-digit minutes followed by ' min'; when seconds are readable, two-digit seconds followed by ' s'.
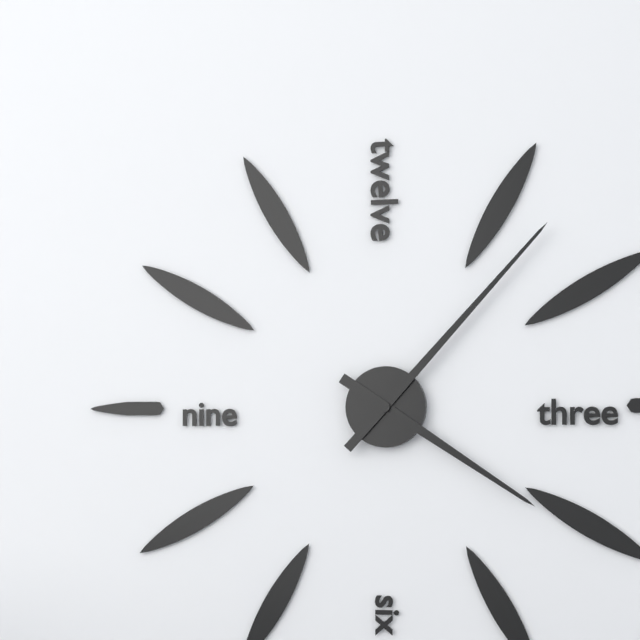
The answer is 4 h 07 min
